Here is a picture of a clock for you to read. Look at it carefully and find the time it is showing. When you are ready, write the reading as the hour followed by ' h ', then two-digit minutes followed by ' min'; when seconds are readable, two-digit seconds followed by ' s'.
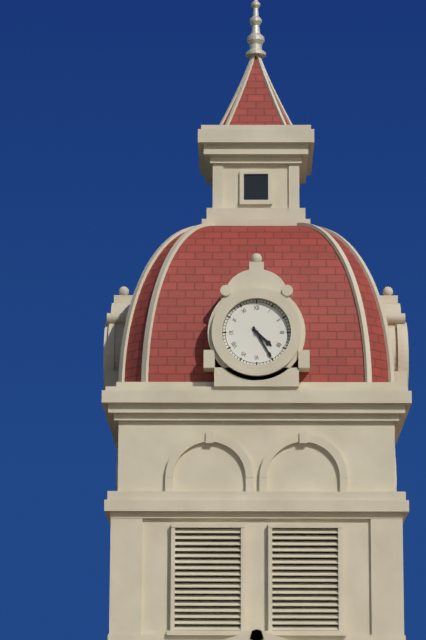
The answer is 4 h 25 min
